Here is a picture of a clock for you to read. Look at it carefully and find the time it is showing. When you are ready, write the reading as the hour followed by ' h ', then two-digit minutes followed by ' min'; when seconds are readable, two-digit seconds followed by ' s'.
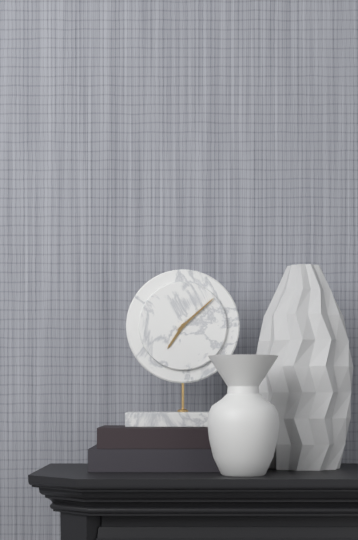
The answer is 7 h 08 min
